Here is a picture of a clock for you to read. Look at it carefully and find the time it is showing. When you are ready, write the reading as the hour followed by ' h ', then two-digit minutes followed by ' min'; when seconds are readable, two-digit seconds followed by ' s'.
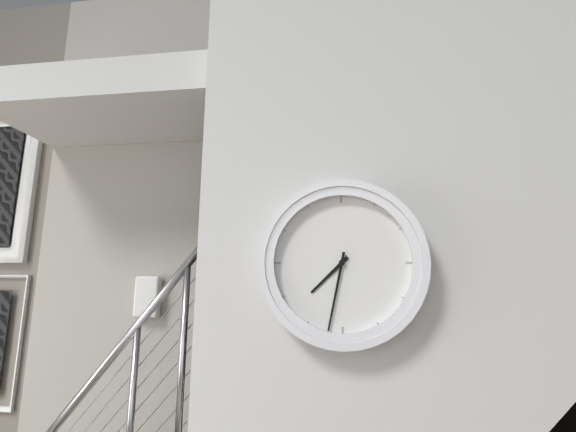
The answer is 7 h 32 min
